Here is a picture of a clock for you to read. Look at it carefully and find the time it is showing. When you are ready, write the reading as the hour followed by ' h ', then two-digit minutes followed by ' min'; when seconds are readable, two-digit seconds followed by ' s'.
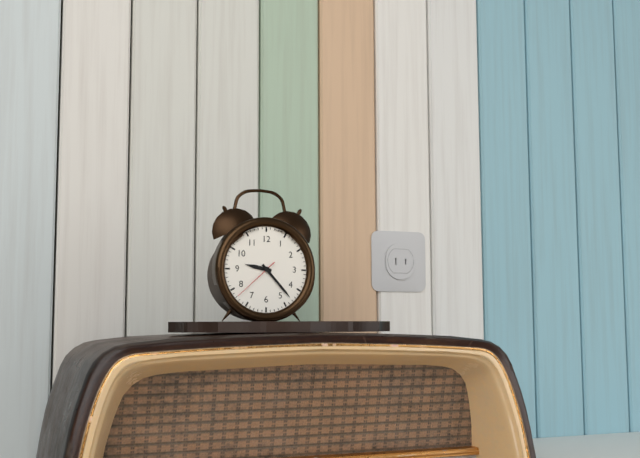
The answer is 9 h 23 min
